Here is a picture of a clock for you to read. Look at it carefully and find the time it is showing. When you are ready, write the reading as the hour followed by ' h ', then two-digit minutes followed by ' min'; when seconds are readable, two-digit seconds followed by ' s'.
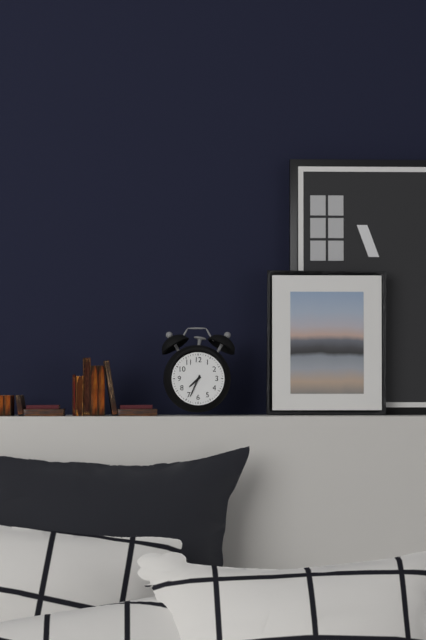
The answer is 7 h 34 min
